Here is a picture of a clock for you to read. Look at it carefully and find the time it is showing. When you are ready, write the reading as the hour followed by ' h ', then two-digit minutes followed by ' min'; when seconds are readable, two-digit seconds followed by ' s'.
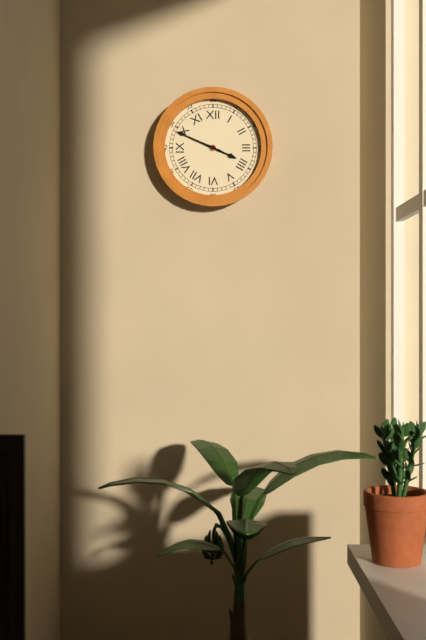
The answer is 3 h 49 min
